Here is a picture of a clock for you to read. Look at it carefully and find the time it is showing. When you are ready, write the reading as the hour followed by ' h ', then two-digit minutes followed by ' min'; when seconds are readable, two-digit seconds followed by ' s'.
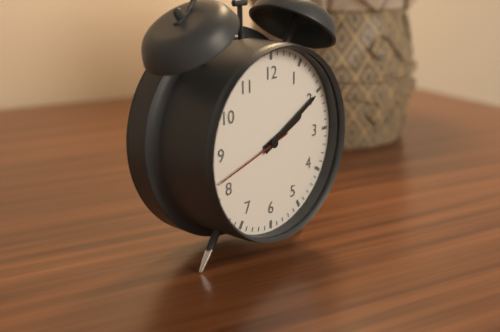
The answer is 2 h 10 min 42 s
